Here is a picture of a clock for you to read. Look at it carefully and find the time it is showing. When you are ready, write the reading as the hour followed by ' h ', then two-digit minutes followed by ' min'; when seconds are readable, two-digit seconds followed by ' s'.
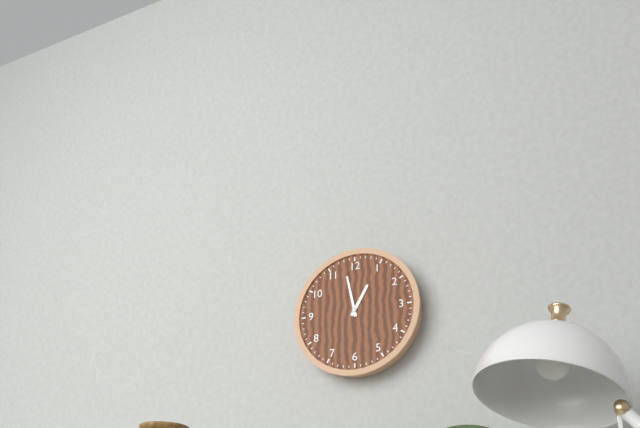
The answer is 12 h 58 min
